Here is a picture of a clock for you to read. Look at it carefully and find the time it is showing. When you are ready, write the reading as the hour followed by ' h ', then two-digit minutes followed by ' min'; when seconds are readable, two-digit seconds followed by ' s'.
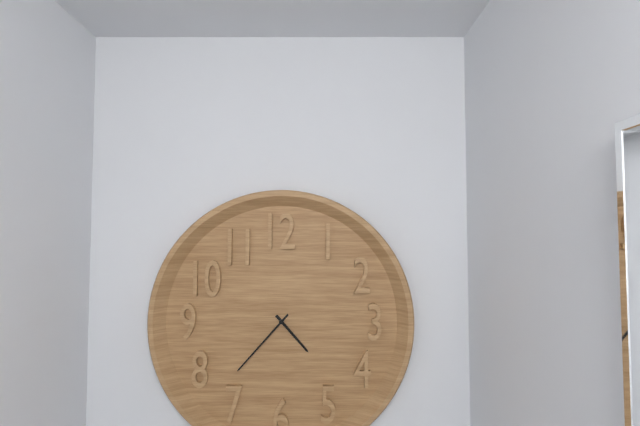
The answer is 4 h 37 min
